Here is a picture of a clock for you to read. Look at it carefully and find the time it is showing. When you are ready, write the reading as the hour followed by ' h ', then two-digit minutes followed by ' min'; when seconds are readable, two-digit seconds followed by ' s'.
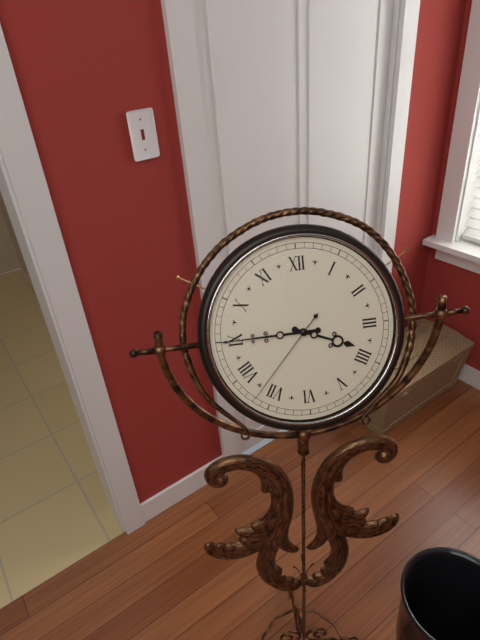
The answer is 3 h 45 min 37 s
